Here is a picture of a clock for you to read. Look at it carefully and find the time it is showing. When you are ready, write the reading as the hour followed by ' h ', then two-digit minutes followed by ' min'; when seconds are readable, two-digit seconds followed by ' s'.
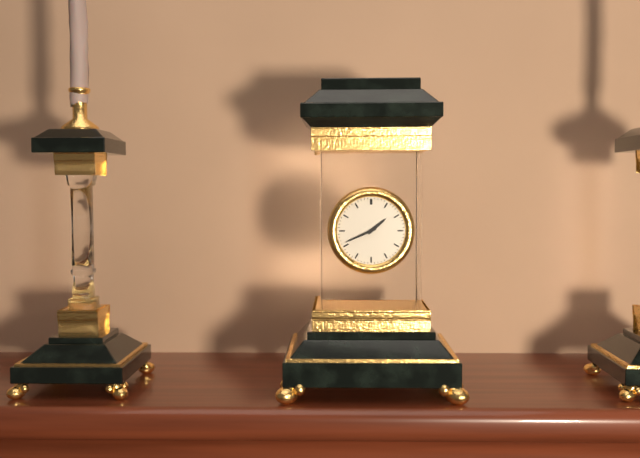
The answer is 1 h 41 min
